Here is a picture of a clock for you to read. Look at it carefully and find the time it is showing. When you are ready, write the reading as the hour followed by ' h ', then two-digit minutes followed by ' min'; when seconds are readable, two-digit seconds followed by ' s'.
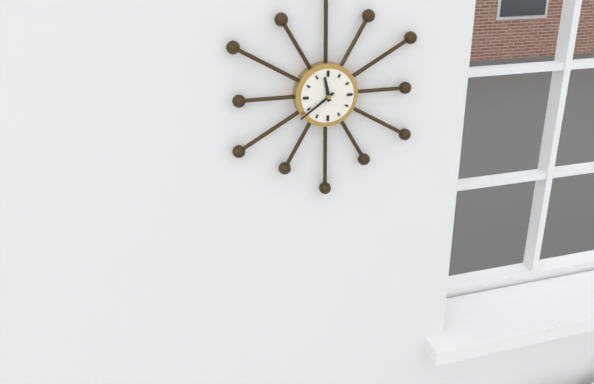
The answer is 11 h 39 min
